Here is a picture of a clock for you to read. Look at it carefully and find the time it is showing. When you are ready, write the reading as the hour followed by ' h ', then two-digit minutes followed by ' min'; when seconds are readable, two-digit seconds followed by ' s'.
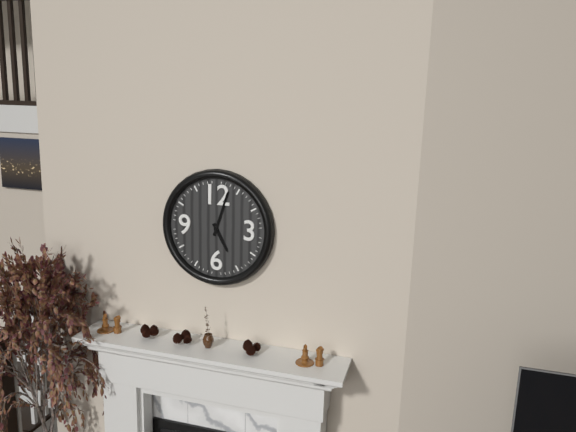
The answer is 5 h 03 min
